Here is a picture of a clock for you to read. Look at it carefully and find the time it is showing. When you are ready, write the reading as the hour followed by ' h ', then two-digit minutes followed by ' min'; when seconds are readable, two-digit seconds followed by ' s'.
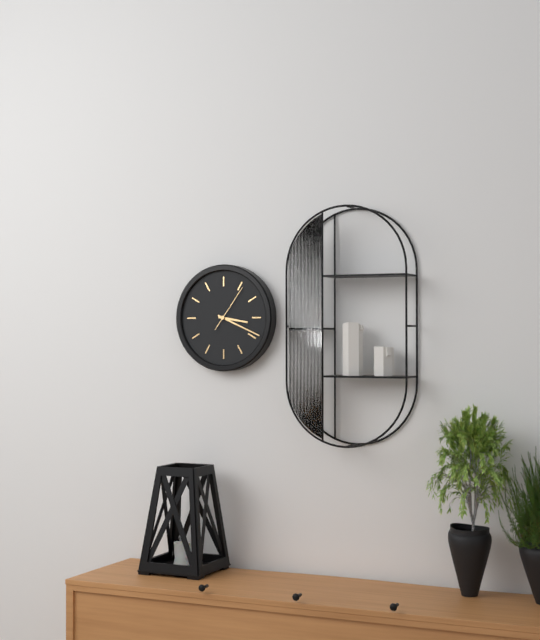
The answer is 3 h 19 min
